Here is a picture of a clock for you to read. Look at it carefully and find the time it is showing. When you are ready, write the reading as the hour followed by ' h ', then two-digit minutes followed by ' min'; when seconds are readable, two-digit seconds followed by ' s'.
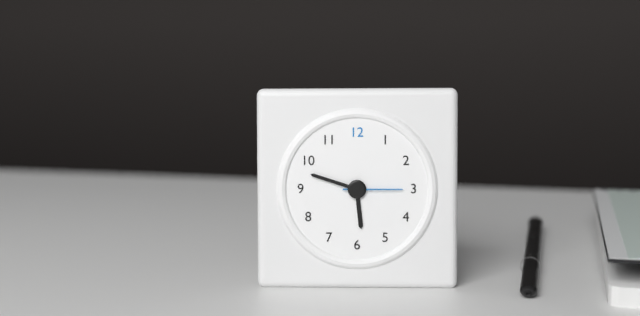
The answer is 5 h 48 min 15 s
